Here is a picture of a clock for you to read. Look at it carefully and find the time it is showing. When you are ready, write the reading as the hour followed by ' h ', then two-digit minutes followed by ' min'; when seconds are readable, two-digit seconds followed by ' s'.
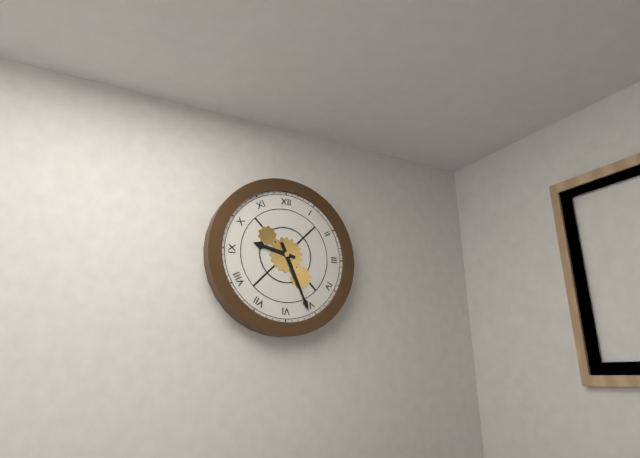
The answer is 9 h 26 min
